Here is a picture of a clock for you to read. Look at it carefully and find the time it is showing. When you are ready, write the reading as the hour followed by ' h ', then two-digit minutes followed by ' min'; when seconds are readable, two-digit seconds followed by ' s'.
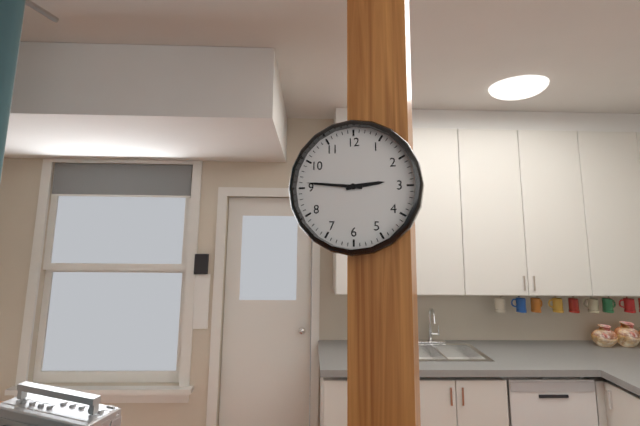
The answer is 2 h 46 min
